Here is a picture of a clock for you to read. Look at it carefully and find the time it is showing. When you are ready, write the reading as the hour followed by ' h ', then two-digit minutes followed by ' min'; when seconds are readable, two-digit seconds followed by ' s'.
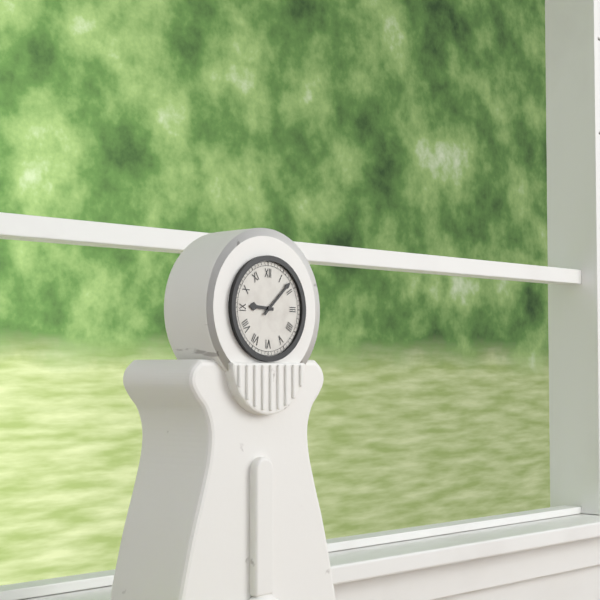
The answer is 9 h 08 min
